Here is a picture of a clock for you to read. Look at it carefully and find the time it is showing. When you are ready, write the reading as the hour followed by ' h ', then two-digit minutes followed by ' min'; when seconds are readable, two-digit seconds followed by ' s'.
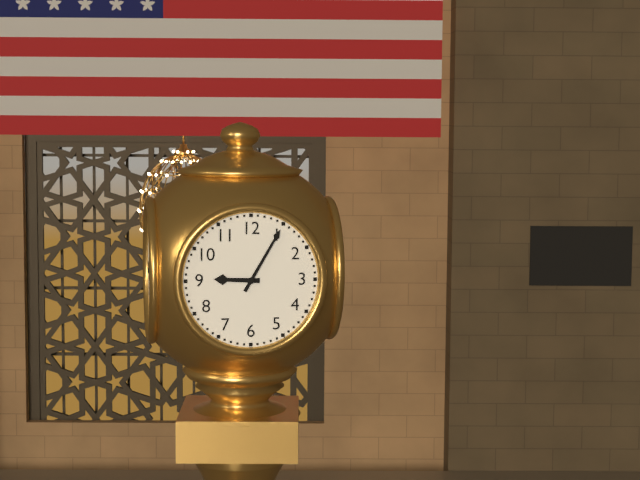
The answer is 9 h 05 min
